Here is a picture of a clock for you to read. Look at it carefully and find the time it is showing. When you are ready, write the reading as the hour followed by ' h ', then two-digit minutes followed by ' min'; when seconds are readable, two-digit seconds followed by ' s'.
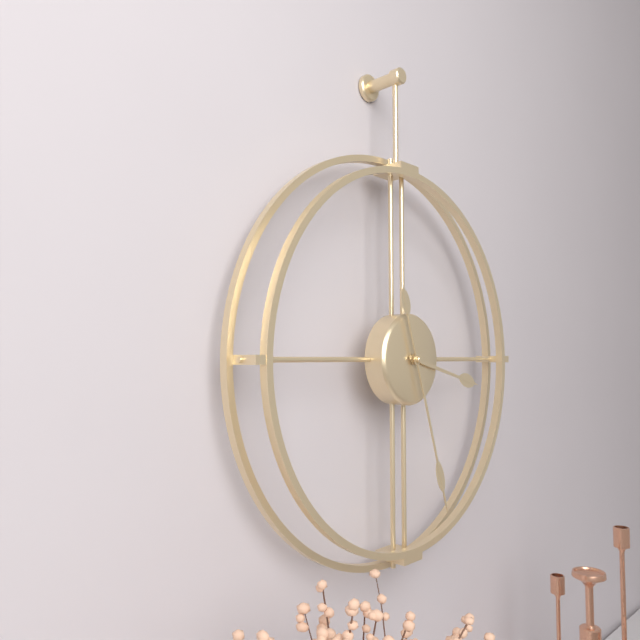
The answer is 3 h 27 min
